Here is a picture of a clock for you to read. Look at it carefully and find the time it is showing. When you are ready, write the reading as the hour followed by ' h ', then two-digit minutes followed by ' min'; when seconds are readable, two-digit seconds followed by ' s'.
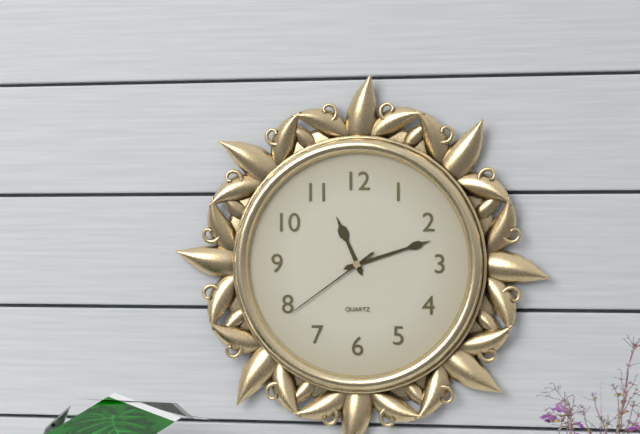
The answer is 11 h 12 min 39 s
